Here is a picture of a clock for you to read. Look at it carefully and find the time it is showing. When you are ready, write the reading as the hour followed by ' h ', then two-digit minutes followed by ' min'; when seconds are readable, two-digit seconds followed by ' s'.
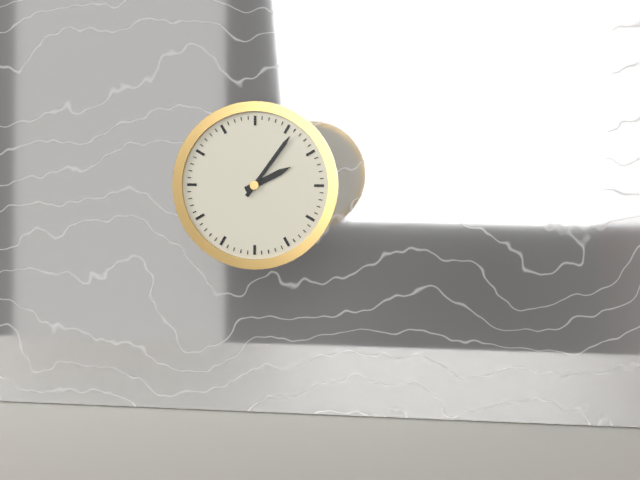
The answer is 2 h 06 min
